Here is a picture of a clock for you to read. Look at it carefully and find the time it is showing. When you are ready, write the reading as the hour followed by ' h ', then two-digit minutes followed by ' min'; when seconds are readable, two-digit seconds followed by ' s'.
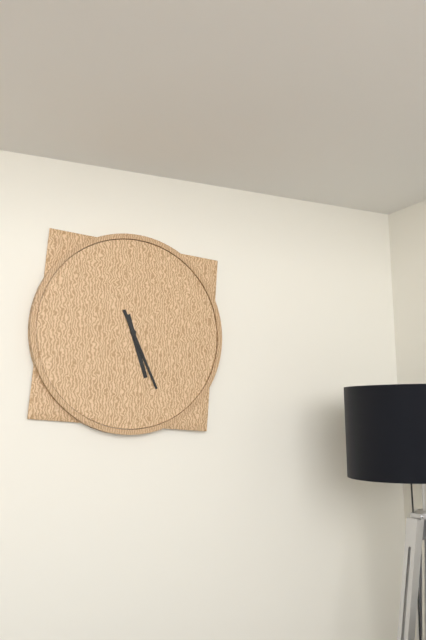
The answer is 5 h 26 min
